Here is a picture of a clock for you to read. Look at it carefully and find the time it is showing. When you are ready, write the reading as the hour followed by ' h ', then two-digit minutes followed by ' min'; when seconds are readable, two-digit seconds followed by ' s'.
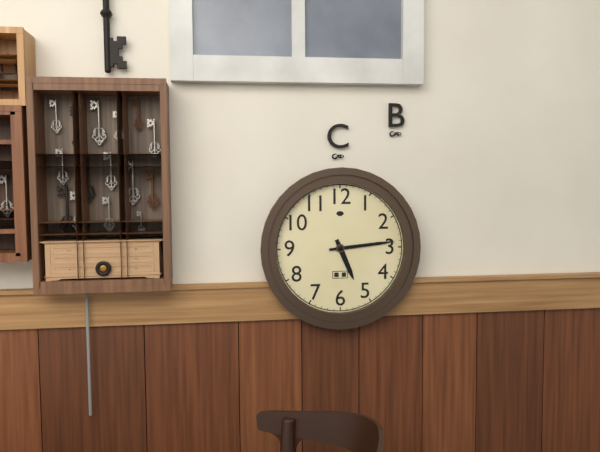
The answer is 5 h 14 min
